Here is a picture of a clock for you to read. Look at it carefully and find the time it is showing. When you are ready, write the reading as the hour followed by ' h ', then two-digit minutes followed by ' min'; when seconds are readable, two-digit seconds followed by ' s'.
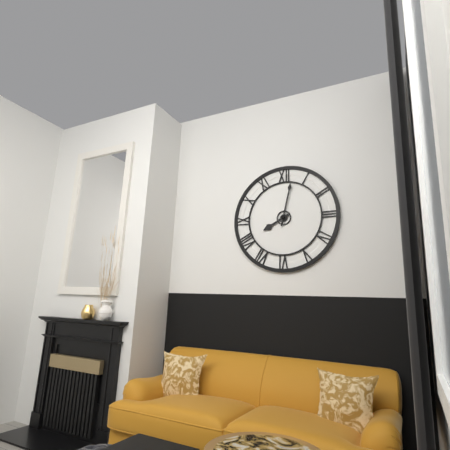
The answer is 8 h 02 min
